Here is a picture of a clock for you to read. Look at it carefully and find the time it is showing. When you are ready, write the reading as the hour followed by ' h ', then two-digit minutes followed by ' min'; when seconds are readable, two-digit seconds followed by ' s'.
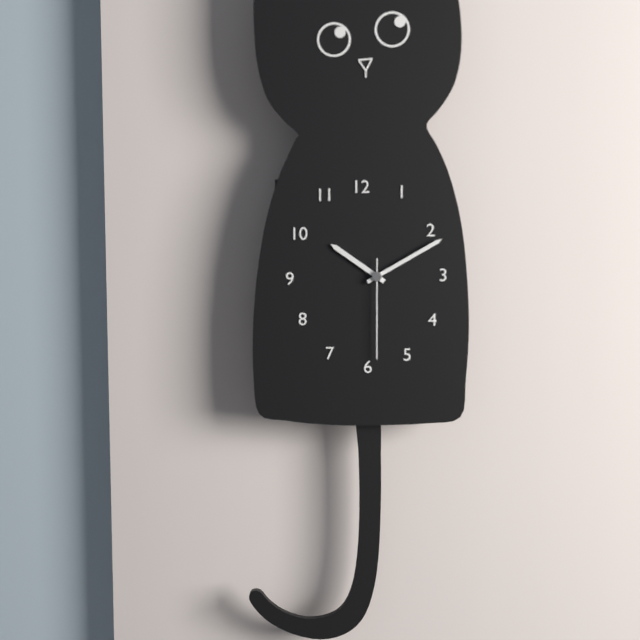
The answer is 10 h 10 min 30 s
